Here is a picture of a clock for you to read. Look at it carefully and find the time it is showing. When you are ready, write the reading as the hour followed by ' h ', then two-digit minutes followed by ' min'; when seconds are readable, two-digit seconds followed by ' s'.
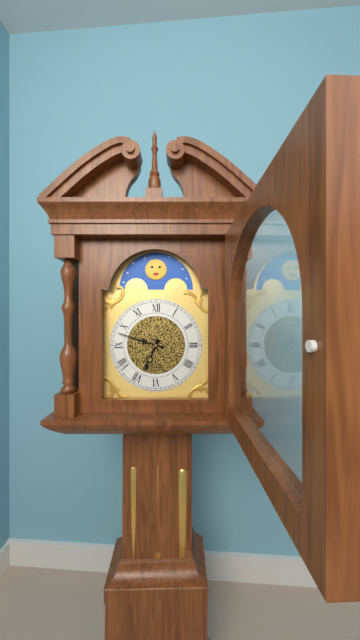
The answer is 6 h 48 min
